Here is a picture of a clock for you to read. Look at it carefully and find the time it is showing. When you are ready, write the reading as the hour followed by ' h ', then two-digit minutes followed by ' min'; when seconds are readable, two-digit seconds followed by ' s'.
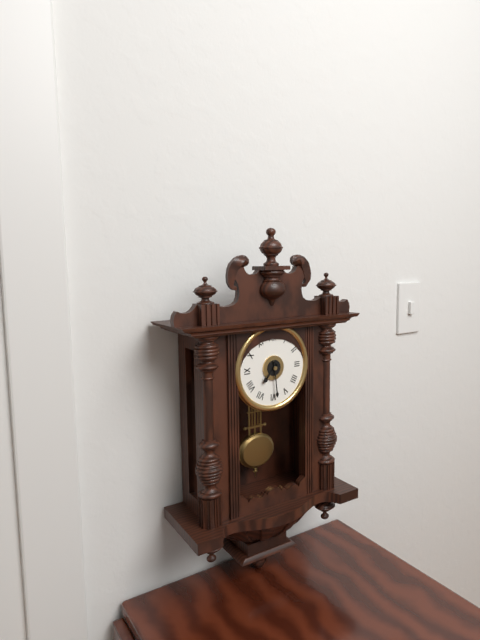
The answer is 7 h 29 min
